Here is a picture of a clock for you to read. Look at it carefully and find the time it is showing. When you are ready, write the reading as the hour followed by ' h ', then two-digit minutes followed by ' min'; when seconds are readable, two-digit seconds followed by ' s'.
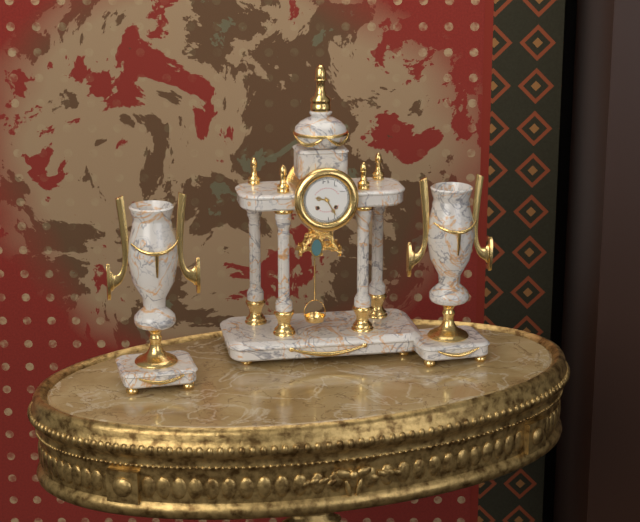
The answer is 9 h 25 min
